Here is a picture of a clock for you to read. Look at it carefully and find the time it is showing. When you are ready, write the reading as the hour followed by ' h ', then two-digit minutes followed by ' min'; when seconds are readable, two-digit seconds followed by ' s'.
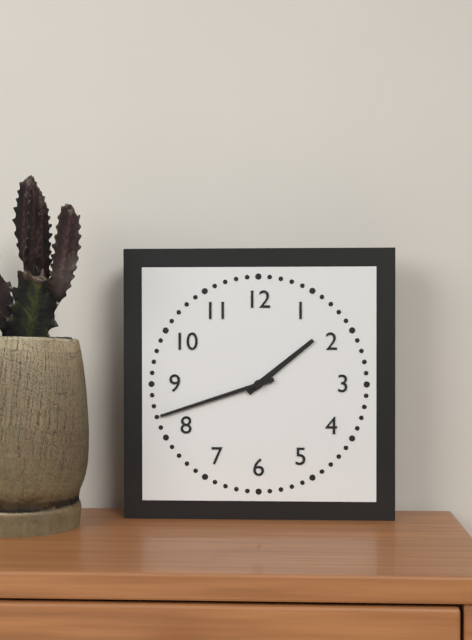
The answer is 1 h 42 min
